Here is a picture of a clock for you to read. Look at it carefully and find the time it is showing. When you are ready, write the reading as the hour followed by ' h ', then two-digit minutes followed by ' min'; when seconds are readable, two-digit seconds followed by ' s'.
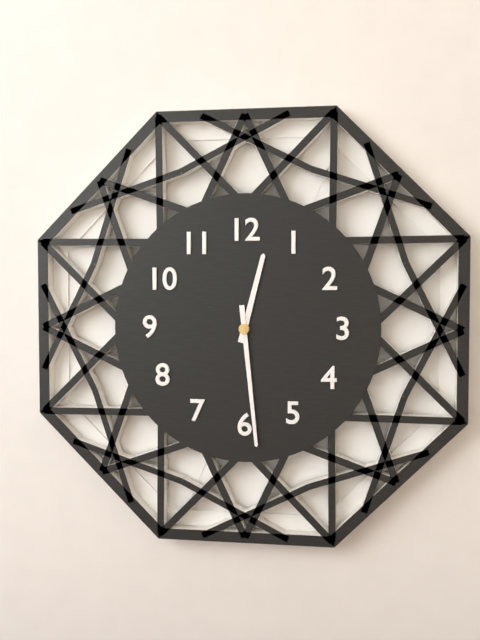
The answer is 12 h 29 min
